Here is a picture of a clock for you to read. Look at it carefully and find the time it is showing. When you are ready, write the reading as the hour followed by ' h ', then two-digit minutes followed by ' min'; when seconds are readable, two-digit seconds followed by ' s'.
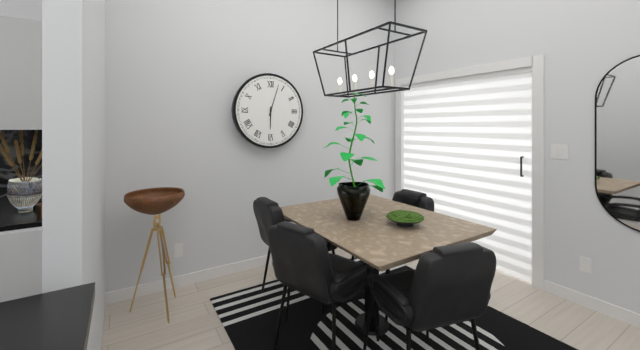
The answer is 6 h 03 min
